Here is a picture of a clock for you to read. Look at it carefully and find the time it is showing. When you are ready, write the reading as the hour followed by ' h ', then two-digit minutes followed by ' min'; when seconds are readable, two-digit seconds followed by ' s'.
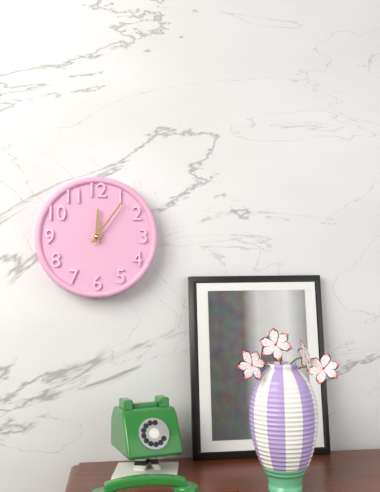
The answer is 12 h 06 min
